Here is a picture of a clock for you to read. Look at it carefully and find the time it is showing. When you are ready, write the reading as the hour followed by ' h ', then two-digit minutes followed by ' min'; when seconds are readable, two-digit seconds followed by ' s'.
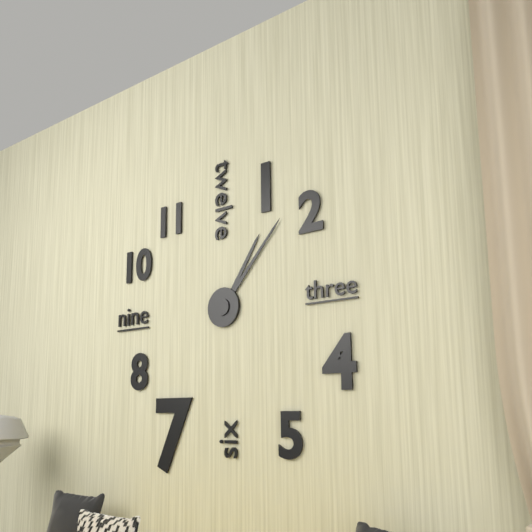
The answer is 1 h 07 min
